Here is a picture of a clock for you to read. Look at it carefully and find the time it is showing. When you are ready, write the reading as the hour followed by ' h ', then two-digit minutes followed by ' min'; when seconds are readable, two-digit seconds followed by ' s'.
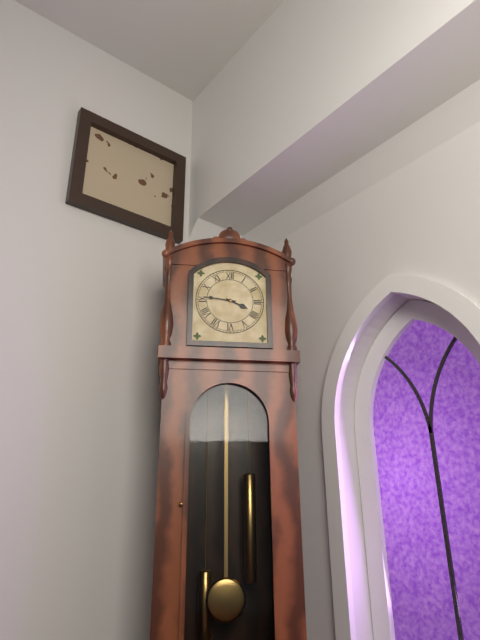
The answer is 3 h 46 min
